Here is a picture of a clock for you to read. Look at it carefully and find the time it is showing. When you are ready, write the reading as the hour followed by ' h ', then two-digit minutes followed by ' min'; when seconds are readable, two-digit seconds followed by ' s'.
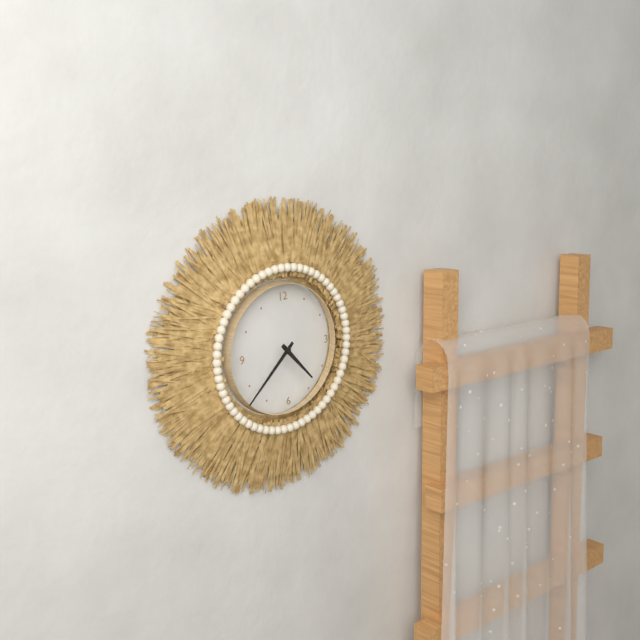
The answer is 4 h 38 min
